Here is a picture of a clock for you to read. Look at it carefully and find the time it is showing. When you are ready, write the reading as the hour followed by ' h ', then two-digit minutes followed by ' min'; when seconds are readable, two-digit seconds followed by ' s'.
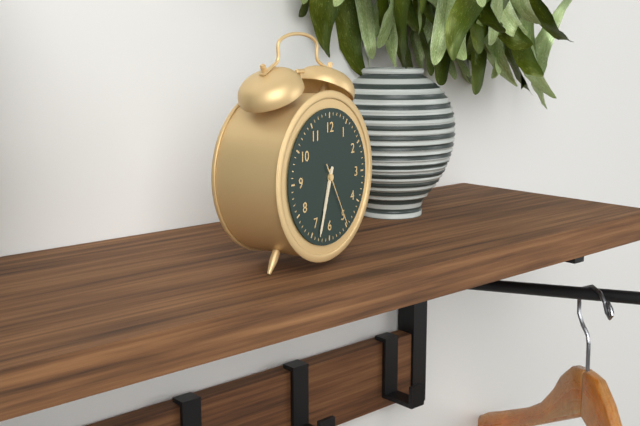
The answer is 6 h 33 min 25 s
